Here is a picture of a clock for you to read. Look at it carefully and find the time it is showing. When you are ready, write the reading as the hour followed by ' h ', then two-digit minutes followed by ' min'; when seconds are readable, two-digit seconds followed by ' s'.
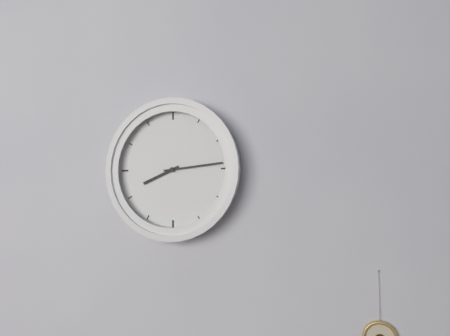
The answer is 8 h 14 min
